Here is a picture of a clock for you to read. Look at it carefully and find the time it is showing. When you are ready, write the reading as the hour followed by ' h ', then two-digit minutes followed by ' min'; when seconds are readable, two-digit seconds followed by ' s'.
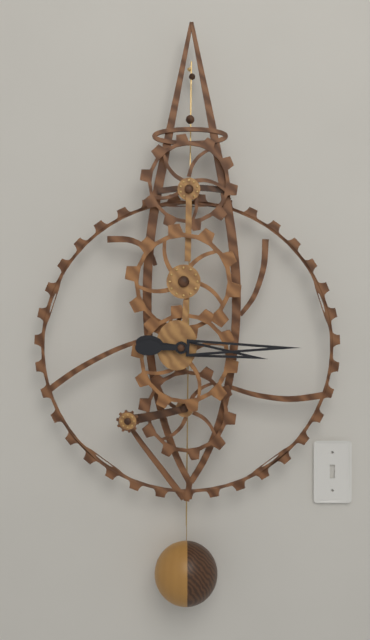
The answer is 3 h 15 min
